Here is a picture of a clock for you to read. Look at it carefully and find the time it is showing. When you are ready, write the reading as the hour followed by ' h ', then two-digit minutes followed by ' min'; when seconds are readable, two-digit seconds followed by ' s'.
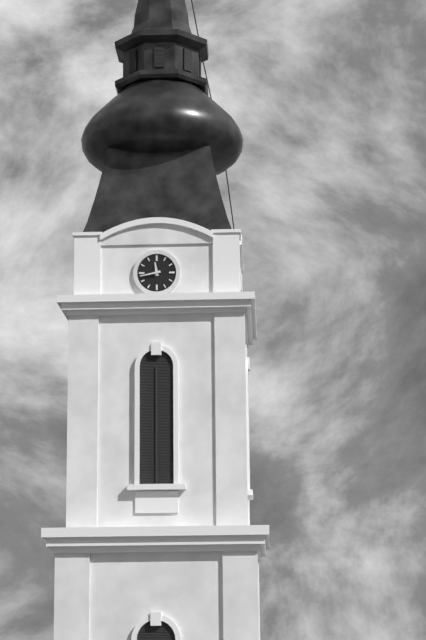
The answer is 11 h 43 min
